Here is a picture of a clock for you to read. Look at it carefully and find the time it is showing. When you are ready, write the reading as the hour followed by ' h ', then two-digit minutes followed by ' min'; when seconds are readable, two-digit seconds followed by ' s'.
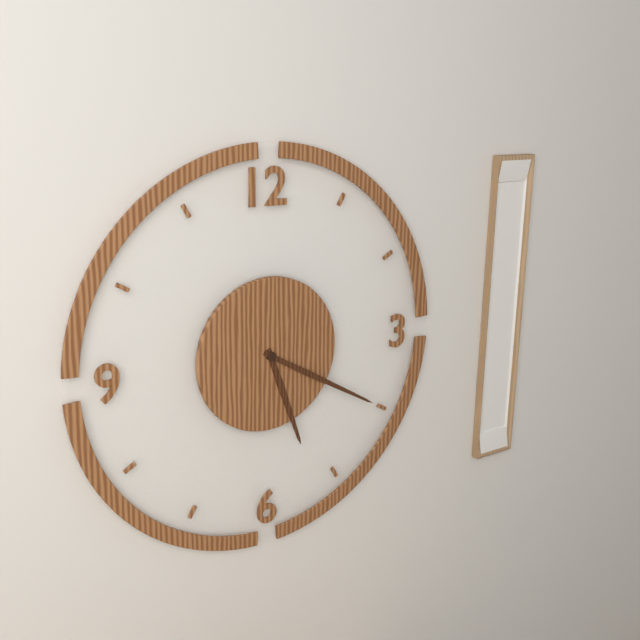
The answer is 5 h 20 min
